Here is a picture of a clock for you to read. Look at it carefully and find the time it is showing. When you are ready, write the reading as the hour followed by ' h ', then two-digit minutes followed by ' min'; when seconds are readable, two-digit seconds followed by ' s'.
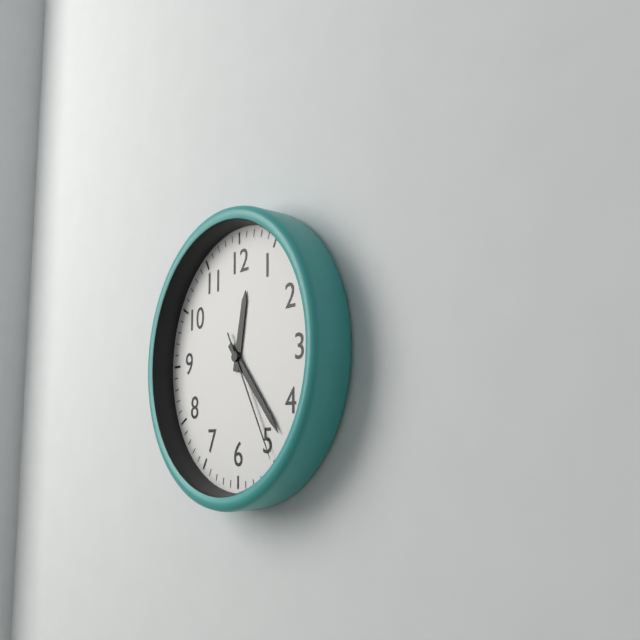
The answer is 12 h 23 min 25 s
